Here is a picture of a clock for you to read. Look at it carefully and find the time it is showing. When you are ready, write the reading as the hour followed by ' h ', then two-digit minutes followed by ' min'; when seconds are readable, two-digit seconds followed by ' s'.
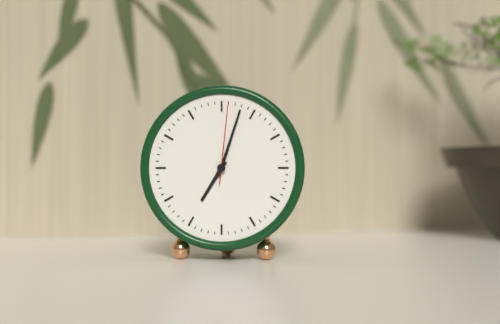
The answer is 7 h 03 min 01 s
